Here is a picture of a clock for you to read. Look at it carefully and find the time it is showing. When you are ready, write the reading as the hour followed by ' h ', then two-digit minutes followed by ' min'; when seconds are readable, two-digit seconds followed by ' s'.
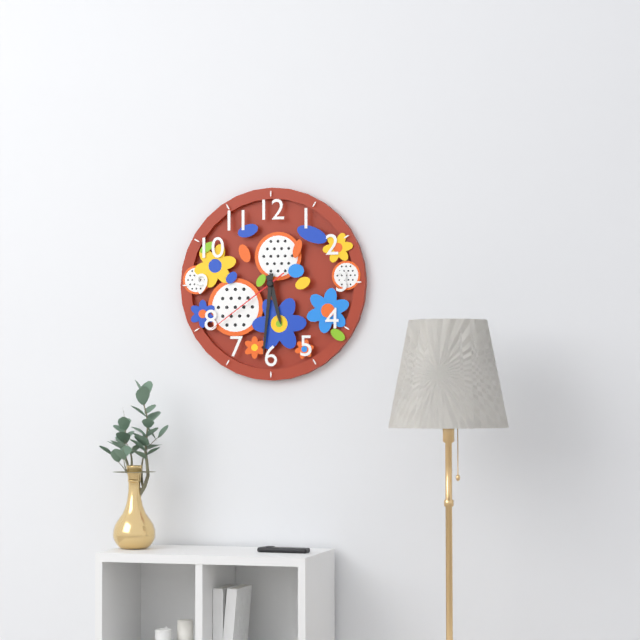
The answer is 5 h 31 min 39 s
